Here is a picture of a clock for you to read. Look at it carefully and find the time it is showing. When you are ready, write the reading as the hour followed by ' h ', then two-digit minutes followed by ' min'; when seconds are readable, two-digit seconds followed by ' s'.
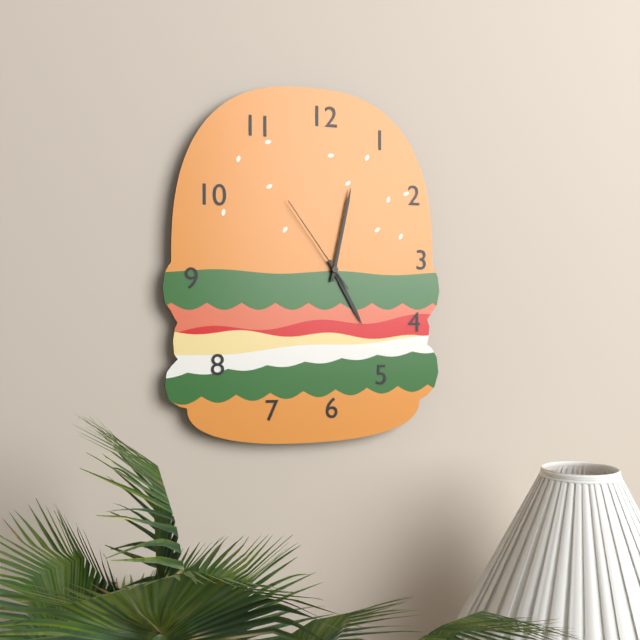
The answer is 5 h 02 min 54 s
